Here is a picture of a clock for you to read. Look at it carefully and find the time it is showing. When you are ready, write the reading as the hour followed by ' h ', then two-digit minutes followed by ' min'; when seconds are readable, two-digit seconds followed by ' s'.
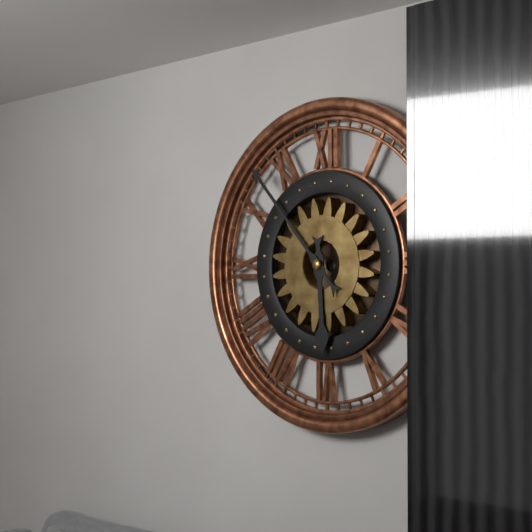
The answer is 5 h 53 min
